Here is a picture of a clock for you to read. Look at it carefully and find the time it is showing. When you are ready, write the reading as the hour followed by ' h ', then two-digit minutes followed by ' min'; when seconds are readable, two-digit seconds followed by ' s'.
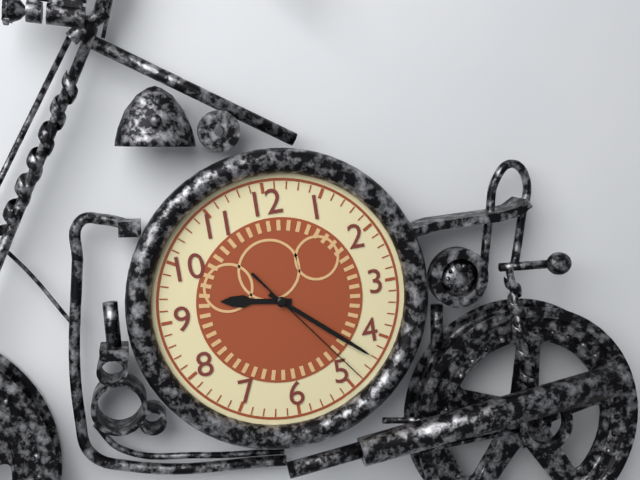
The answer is 9 h 22 min 24 s
